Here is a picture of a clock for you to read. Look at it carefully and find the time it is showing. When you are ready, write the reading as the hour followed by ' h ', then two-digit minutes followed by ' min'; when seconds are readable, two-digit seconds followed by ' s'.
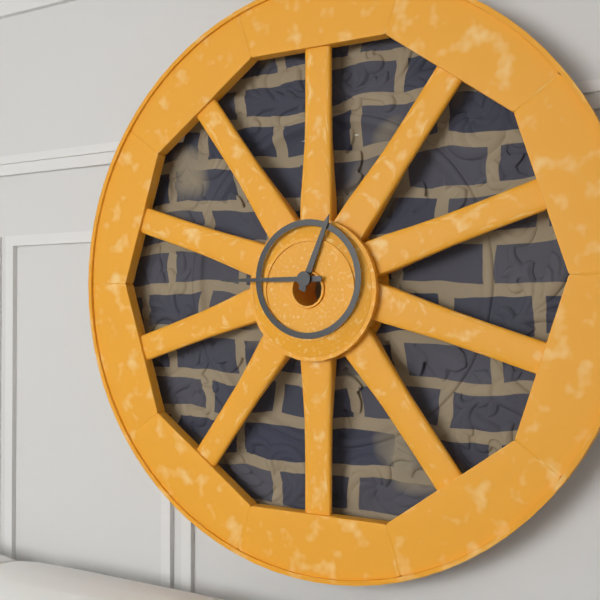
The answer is 12 h 45 min
